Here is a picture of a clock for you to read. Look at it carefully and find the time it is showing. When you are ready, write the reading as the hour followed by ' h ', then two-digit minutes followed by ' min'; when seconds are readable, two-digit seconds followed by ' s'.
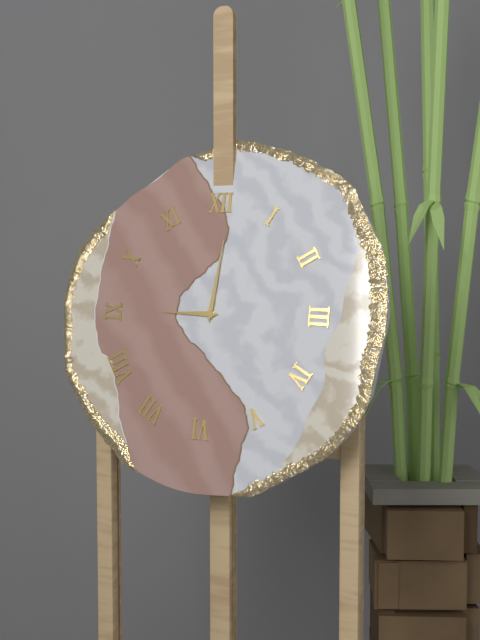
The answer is 9 h 01 min
